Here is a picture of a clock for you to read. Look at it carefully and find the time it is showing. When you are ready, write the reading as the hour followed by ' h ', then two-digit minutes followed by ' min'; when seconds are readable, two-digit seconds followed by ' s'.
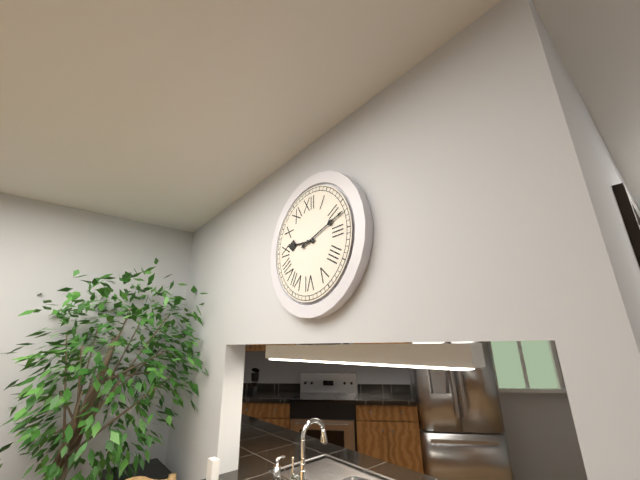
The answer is 9 h 12 min
